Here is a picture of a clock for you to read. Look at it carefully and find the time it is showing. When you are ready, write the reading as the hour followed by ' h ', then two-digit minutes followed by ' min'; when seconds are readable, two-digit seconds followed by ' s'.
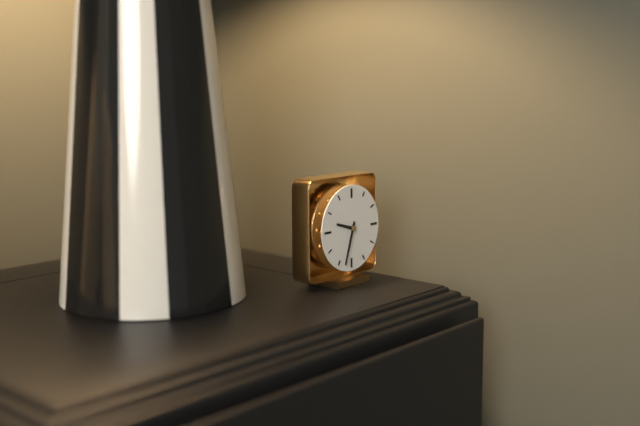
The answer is 9 h 33 min
